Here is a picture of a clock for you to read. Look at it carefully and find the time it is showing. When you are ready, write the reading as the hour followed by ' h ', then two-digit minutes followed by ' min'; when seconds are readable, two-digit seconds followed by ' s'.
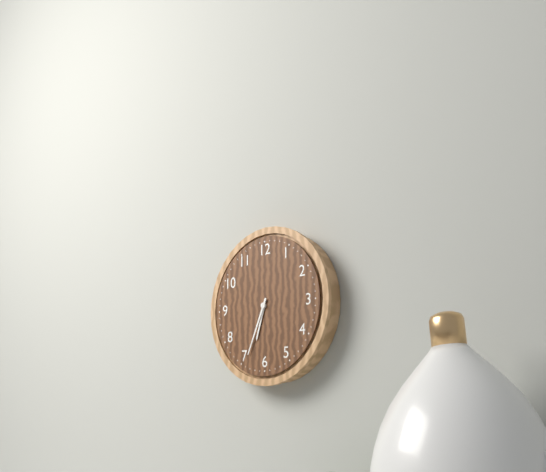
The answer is 6 h 34 min
